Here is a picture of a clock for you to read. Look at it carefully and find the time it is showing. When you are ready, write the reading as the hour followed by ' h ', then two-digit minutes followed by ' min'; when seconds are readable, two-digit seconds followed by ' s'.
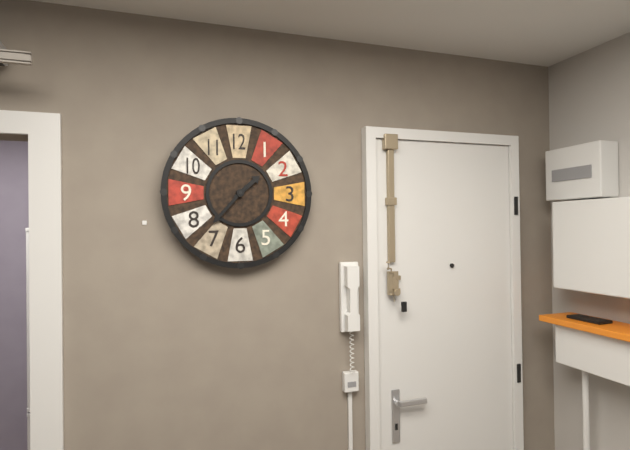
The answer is 1 h 37 min
